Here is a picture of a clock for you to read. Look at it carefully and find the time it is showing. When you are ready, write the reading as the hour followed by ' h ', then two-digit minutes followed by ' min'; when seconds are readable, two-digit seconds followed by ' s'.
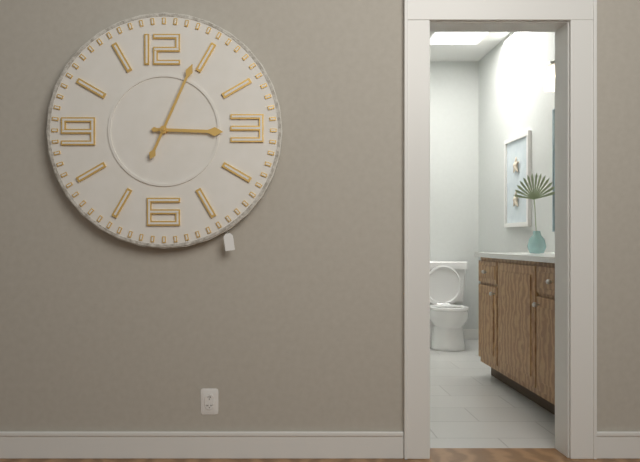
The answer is 3 h 04 min
